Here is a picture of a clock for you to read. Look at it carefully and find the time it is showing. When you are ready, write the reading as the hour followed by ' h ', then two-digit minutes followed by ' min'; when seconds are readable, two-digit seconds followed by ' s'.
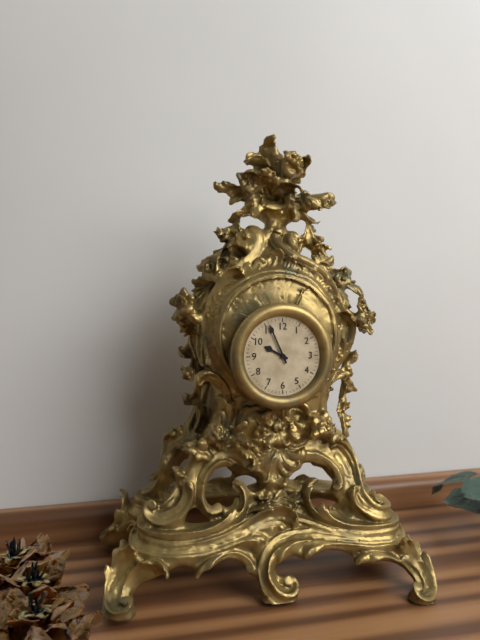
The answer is 9 h 56 min
